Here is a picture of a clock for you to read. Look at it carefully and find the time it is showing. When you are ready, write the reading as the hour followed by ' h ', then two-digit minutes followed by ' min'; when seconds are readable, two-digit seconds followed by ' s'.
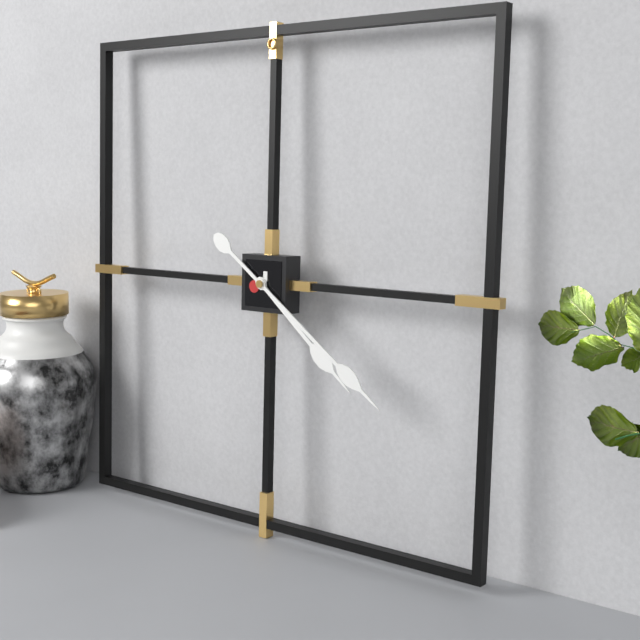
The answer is 4 h 21 min
